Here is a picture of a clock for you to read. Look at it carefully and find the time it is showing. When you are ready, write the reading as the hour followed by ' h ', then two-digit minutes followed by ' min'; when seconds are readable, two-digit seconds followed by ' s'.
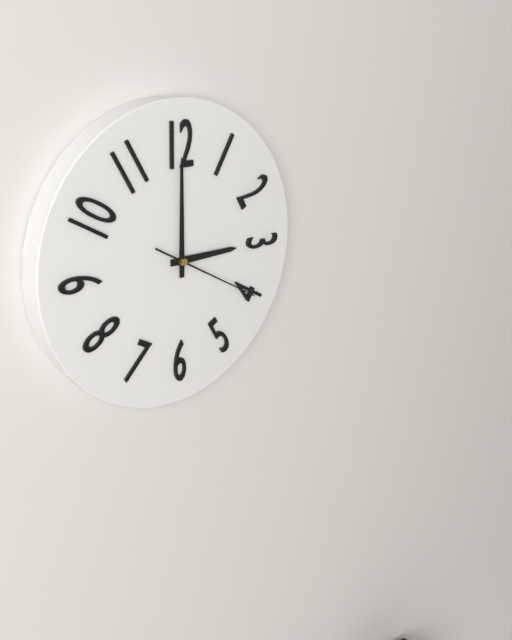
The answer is 3 h 00 min 20 s
